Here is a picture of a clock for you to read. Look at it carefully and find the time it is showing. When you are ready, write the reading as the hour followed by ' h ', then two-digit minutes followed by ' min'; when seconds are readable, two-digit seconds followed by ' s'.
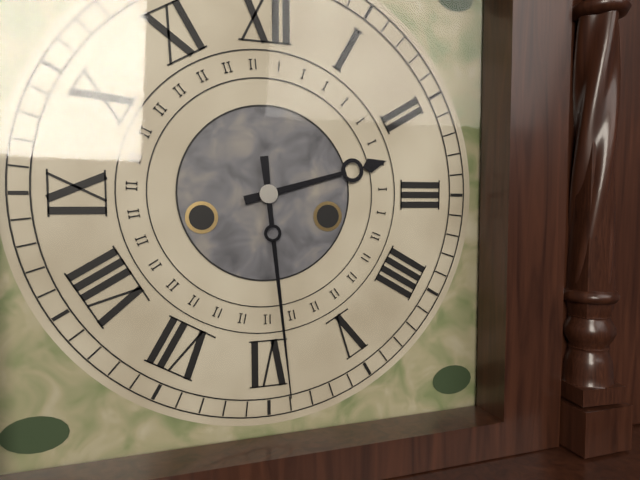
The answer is 2 h 29 min
